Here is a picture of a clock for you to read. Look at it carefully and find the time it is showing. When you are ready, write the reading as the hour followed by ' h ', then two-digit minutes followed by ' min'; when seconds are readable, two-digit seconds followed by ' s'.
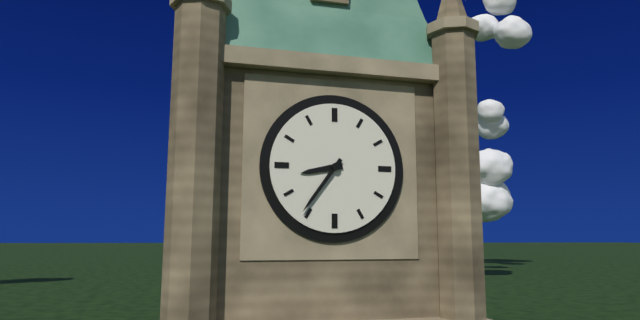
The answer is 8 h 36 min
